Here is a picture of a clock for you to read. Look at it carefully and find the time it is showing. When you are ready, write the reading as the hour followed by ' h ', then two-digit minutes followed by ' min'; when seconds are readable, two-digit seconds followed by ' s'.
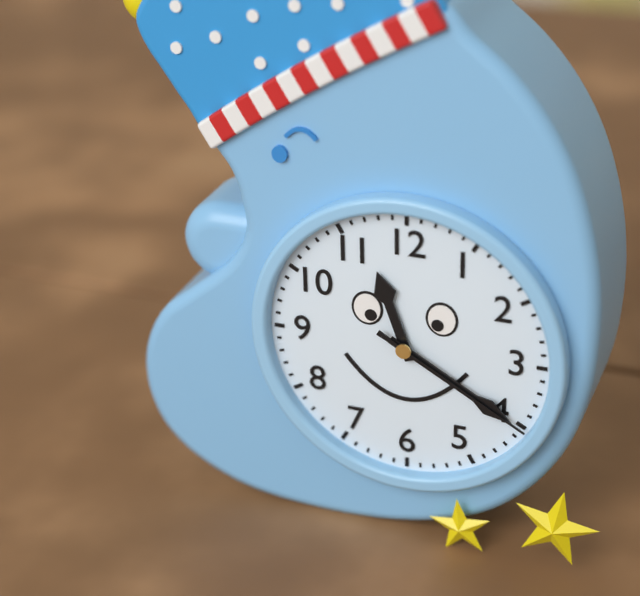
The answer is 11 h 20 min 20 s
